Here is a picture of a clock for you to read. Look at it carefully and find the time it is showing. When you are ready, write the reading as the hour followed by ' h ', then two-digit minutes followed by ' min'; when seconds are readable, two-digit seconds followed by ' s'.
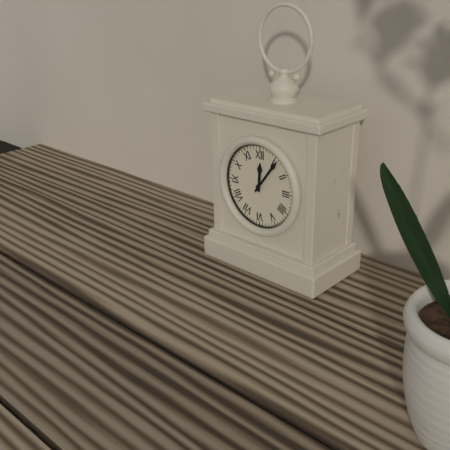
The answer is 12 h 06 min
